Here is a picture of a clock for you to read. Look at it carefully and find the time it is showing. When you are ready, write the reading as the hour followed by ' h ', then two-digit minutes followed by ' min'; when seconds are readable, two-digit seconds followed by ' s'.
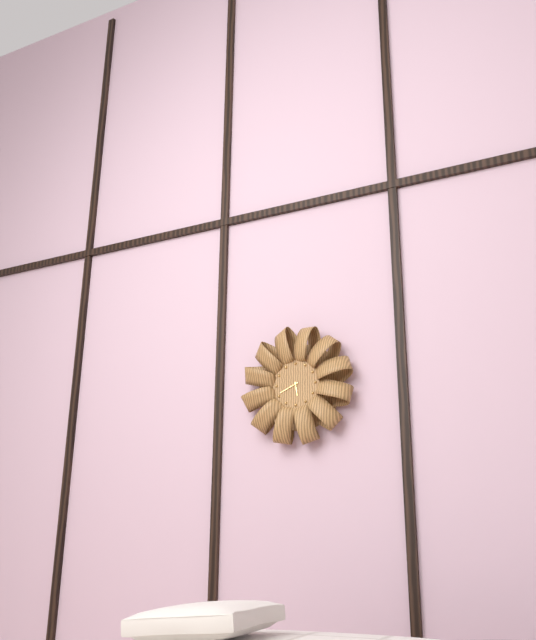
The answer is 5 h 41 min
